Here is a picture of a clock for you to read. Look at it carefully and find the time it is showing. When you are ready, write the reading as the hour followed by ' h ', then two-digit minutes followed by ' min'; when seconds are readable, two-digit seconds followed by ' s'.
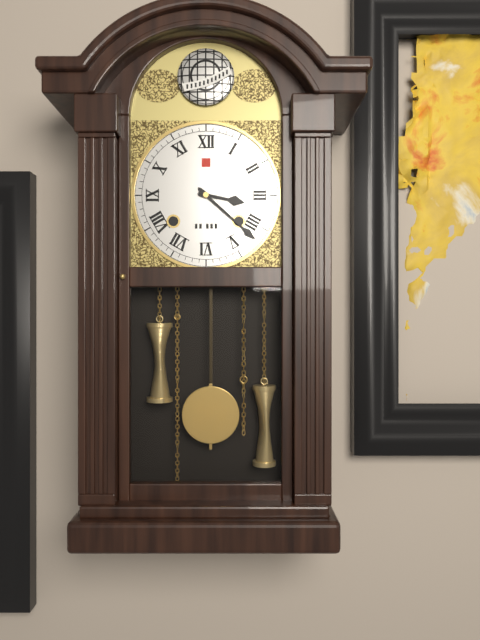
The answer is 3 h 22 min
